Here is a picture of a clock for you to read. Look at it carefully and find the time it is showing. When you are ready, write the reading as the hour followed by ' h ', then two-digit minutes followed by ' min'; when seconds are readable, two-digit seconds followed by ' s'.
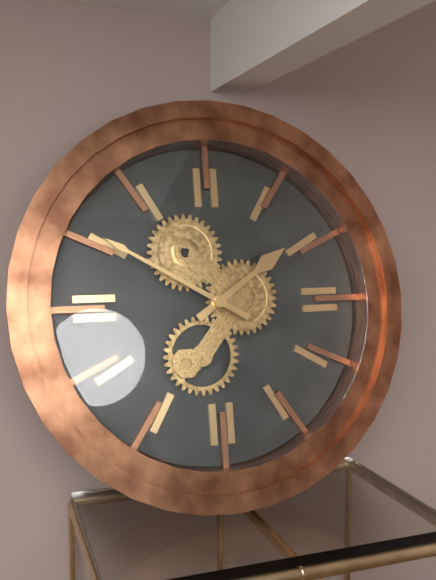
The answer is 1 h 50 min
